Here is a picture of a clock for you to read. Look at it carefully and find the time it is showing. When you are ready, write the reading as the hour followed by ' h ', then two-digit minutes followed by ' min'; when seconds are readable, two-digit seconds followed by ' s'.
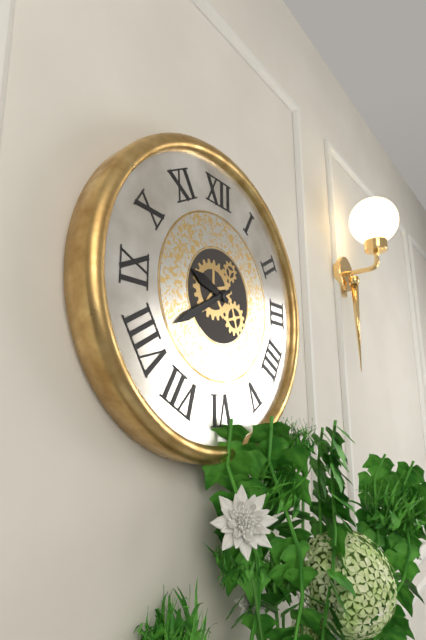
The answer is 9 h 40 min
